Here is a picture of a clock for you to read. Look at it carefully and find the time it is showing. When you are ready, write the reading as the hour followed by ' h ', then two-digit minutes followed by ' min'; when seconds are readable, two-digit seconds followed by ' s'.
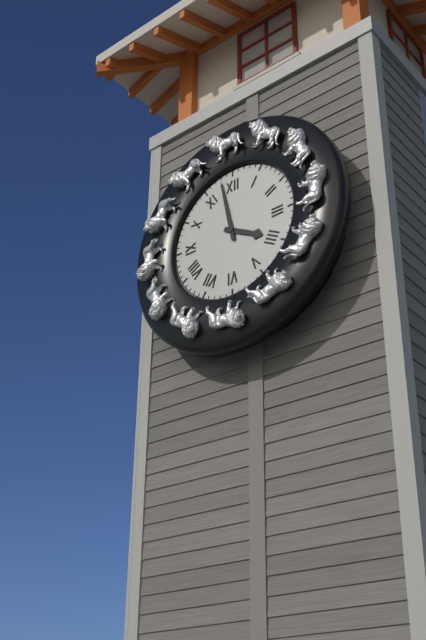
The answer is 3 h 58 min
